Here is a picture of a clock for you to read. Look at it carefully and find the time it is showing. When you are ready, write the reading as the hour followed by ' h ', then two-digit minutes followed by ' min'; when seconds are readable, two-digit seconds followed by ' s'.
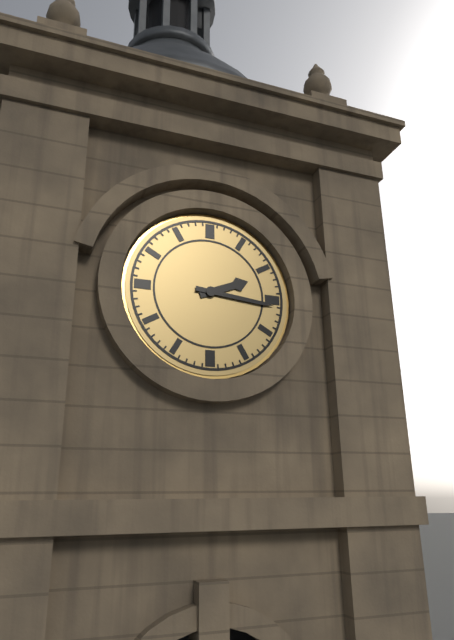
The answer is 2 h 16 min
